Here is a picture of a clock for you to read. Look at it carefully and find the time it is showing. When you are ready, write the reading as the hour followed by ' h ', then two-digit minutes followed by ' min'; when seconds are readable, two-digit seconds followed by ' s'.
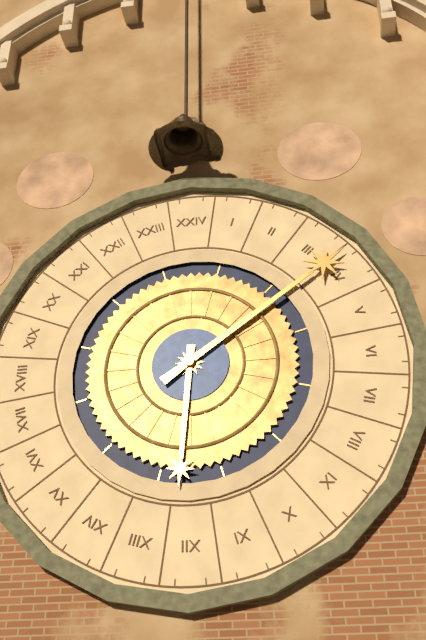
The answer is 6 h 09 min
